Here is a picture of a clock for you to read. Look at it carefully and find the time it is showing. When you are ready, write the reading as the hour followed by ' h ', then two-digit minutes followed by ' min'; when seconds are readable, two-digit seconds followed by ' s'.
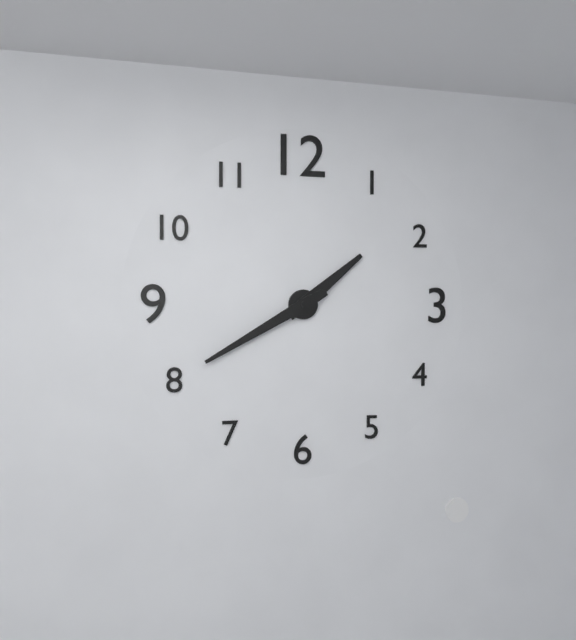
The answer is 1 h 40 min
